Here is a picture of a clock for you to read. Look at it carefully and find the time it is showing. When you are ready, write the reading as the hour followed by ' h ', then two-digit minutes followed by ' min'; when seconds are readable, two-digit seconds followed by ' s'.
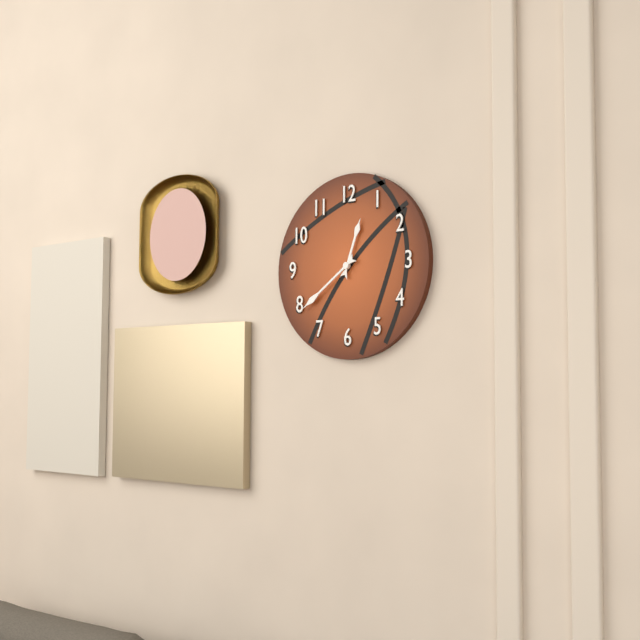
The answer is 12 h 39 min
